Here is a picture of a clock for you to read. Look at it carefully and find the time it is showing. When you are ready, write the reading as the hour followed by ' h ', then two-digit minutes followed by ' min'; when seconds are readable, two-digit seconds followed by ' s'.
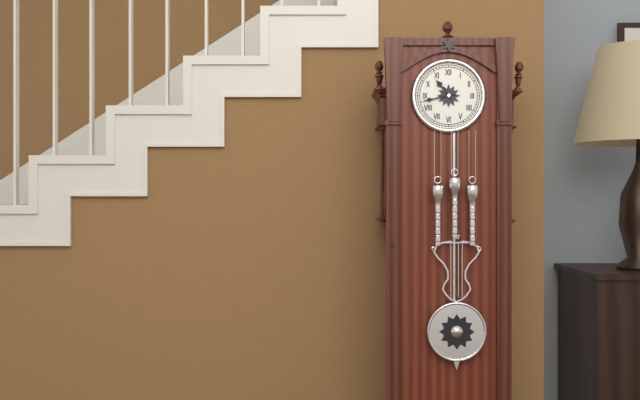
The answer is 10 h 43 min
